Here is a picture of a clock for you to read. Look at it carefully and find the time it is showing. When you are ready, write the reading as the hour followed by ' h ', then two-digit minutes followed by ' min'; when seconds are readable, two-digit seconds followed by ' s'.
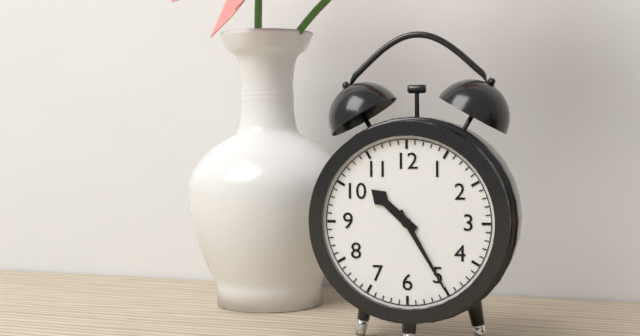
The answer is 10 h 25 min
